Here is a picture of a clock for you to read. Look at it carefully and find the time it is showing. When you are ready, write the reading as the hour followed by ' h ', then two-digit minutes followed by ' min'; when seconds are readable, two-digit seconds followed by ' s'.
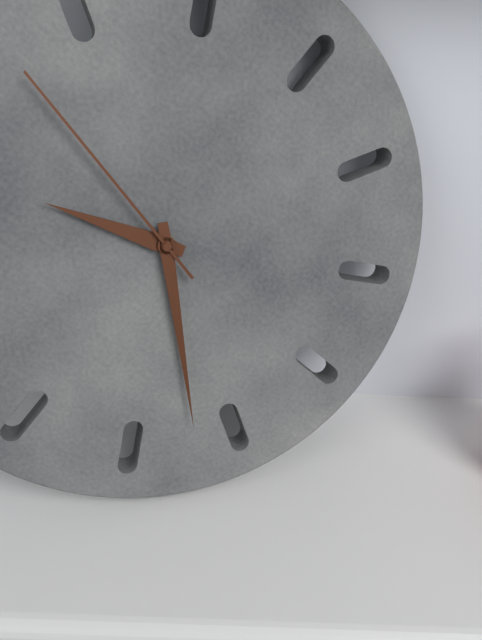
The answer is 8 h 22 min 47 s
